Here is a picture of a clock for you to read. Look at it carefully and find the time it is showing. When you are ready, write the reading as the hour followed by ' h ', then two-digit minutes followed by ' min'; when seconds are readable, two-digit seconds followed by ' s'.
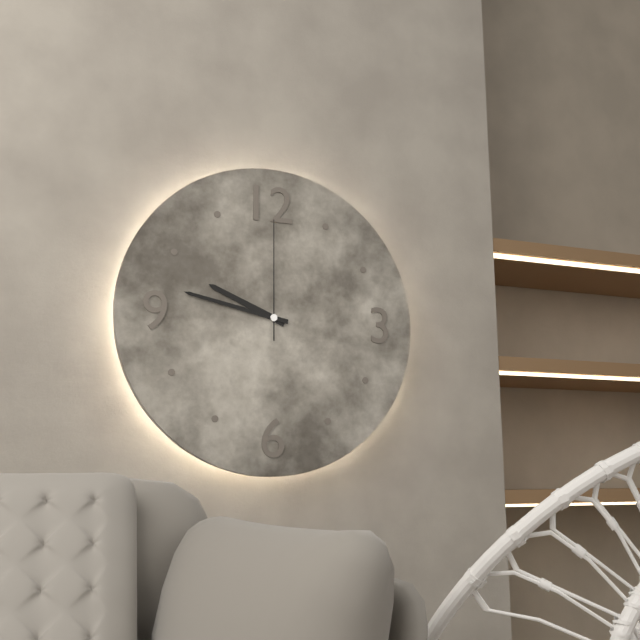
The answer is 9 h 47 min 00 s
